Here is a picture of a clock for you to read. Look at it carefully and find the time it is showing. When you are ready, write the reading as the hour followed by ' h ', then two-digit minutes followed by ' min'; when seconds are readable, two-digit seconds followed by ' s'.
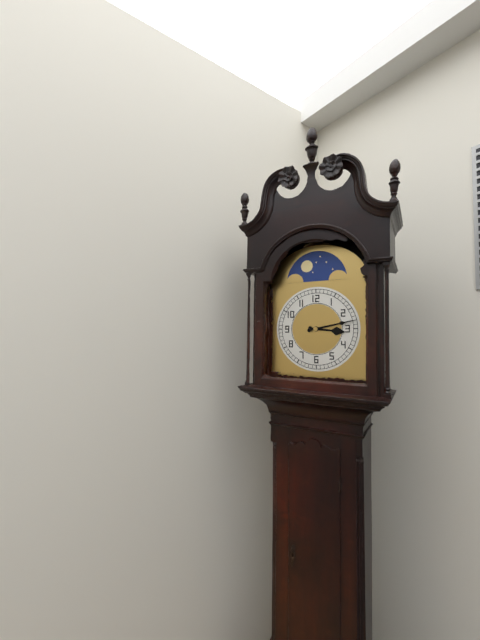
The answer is 3 h 13 min
